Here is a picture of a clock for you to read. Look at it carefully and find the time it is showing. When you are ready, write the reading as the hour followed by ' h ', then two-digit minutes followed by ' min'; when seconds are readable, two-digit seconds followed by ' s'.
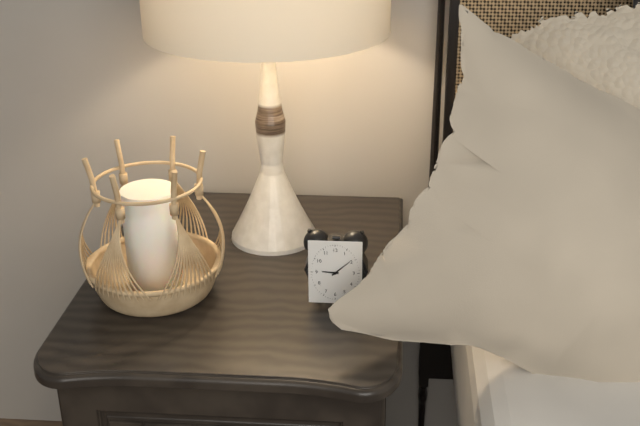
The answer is 9 h 08 min
